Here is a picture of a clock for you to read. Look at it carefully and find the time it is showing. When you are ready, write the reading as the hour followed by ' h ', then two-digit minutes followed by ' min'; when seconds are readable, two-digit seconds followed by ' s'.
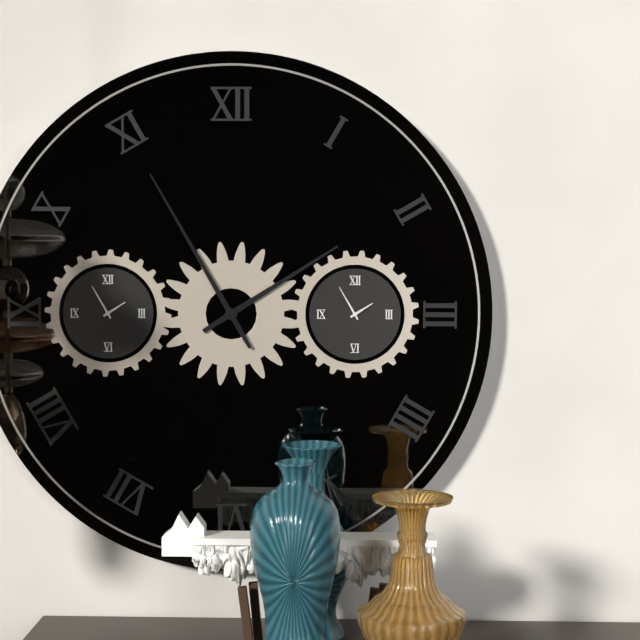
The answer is 1 h 55 min
